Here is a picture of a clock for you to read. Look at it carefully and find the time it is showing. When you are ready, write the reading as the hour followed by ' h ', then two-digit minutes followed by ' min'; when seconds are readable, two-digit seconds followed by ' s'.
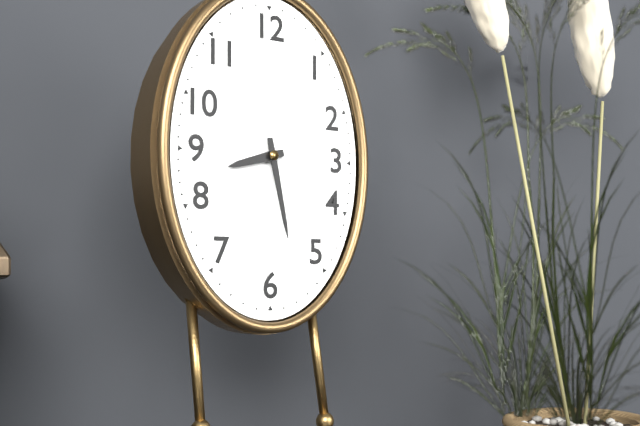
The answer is 8 h 28 min
